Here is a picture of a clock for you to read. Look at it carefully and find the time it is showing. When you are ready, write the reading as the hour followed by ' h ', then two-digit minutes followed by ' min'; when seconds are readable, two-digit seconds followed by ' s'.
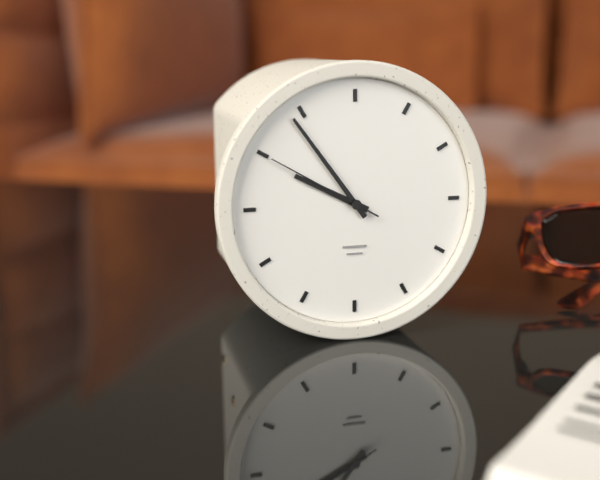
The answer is 9 h 54 min 50 s
